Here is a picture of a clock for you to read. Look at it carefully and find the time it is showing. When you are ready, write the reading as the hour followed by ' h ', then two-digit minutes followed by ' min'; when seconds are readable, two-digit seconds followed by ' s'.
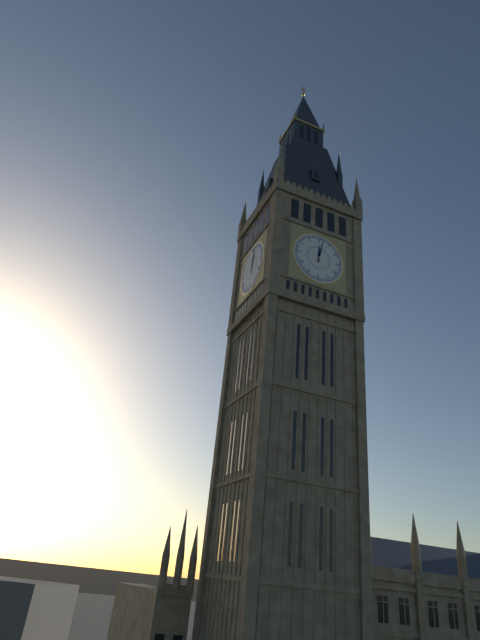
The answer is 12 h 02 min
